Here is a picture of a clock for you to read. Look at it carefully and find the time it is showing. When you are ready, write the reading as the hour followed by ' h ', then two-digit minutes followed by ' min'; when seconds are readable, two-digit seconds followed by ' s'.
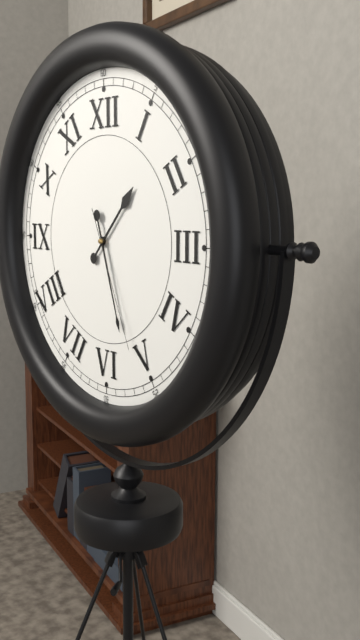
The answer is 1 h 27 min 26 s
